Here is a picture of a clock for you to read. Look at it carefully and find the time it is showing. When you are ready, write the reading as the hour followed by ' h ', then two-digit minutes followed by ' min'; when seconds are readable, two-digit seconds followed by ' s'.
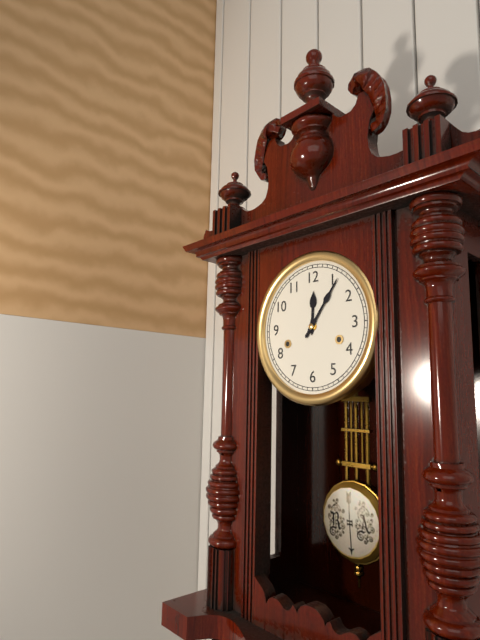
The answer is 12 h 06 min
